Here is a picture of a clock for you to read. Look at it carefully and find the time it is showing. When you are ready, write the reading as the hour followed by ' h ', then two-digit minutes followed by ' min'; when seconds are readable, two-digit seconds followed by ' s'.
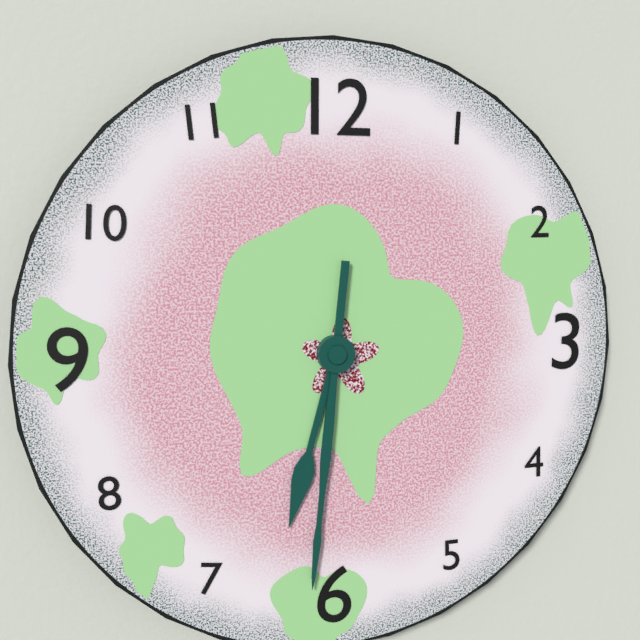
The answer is 6 h 31 min
